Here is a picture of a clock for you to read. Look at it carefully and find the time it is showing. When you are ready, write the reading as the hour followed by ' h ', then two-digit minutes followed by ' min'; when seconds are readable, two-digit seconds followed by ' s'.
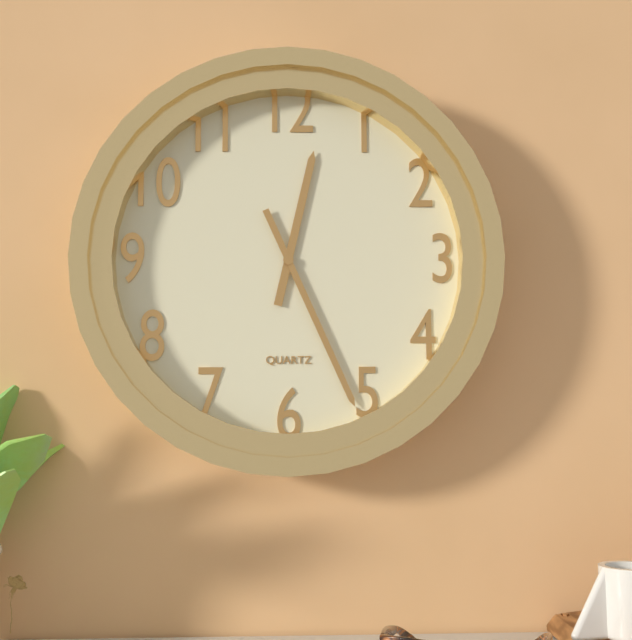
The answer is 12 h 26 min
